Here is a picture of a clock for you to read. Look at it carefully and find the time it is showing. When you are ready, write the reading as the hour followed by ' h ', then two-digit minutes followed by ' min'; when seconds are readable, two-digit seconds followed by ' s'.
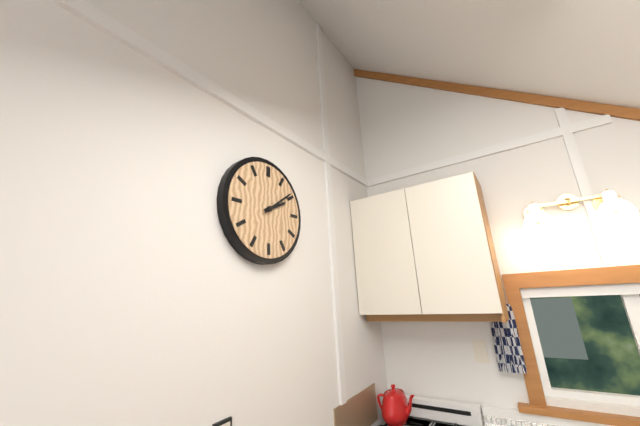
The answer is 2 h 09 min
